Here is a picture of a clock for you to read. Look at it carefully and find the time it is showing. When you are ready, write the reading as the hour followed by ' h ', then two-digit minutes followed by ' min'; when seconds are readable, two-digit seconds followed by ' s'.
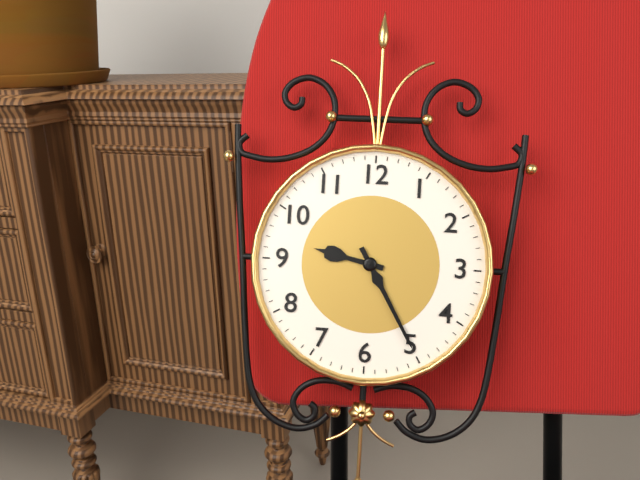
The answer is 9 h 25 min
